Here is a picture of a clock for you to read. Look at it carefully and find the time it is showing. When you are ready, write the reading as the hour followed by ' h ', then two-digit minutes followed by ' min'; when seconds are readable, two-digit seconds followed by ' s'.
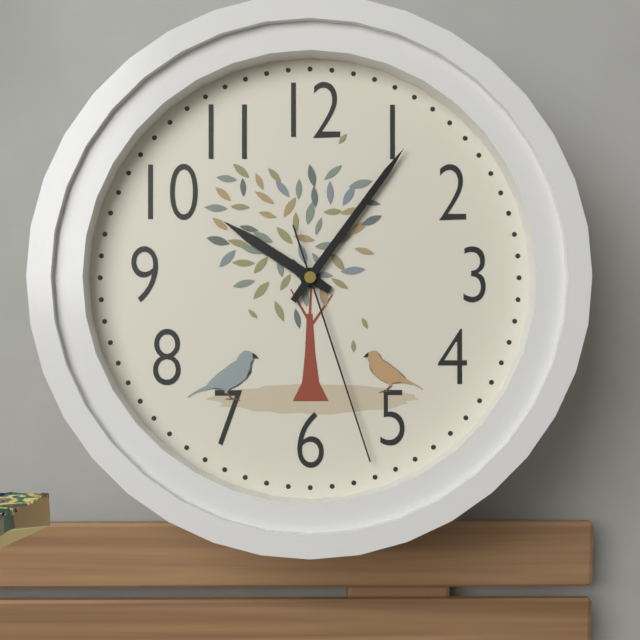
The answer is 10 h 06 min 27 s
